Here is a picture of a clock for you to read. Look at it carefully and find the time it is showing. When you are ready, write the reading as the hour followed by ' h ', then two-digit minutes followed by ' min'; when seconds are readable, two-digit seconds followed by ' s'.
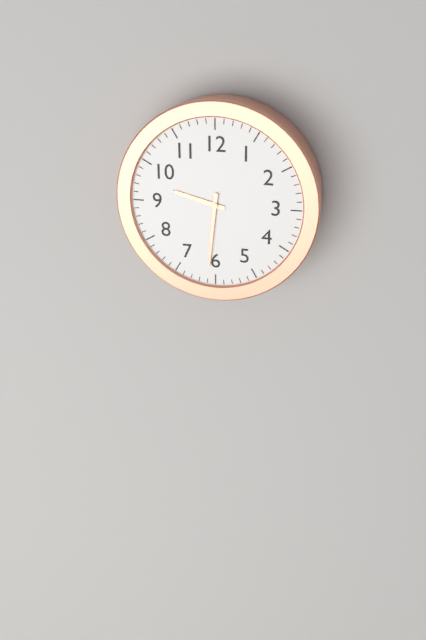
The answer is 9 h 31 min
